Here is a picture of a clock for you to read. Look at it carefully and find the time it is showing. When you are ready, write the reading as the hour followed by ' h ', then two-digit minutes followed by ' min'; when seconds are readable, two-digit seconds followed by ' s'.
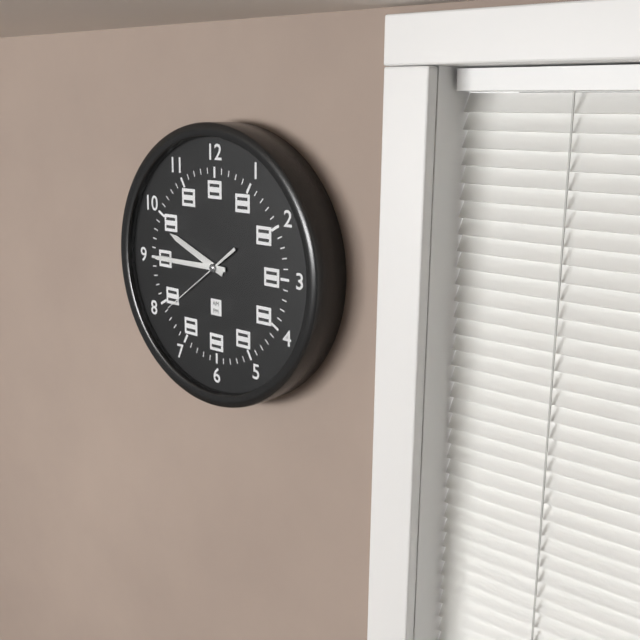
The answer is 9 h 45 min 39 s
